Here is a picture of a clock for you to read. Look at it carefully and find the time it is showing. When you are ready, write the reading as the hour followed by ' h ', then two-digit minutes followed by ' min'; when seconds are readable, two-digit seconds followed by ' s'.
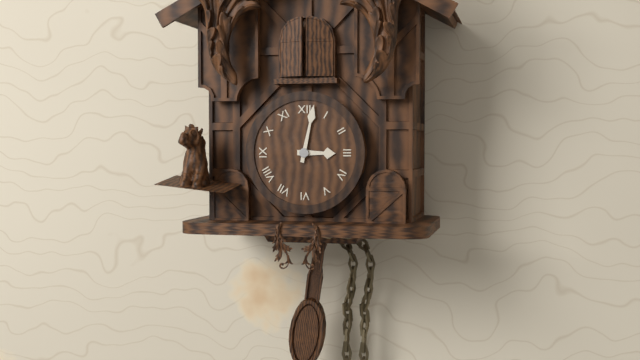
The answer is 3 h 02 min
